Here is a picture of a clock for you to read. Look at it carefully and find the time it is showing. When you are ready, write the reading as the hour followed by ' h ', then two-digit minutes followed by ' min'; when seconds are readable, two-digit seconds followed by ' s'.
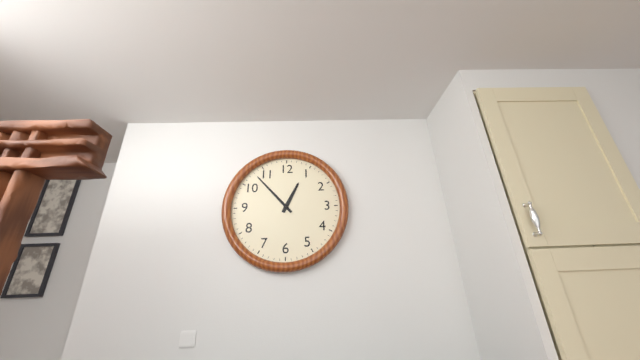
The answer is 12 h 53 min
